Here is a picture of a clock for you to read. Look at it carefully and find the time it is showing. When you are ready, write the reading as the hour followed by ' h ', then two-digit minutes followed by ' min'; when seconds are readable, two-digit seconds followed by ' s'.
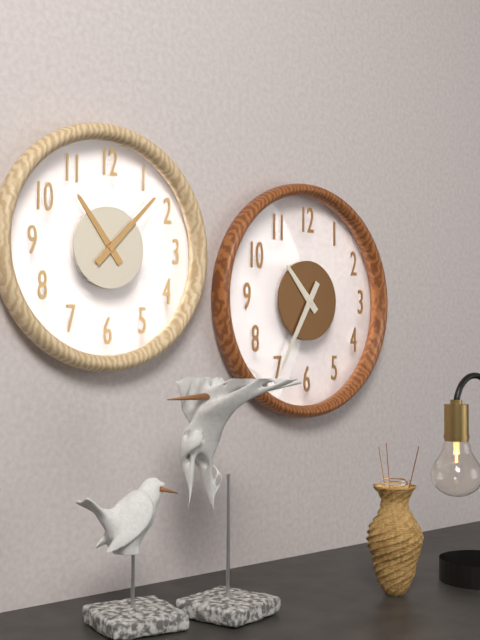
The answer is 10 h 35 min
